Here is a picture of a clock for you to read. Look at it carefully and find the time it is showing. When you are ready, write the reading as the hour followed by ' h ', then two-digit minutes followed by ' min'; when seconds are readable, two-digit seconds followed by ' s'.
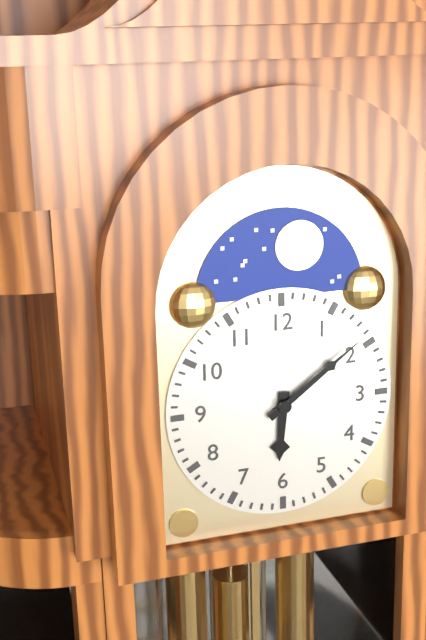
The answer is 6 h 09 min
